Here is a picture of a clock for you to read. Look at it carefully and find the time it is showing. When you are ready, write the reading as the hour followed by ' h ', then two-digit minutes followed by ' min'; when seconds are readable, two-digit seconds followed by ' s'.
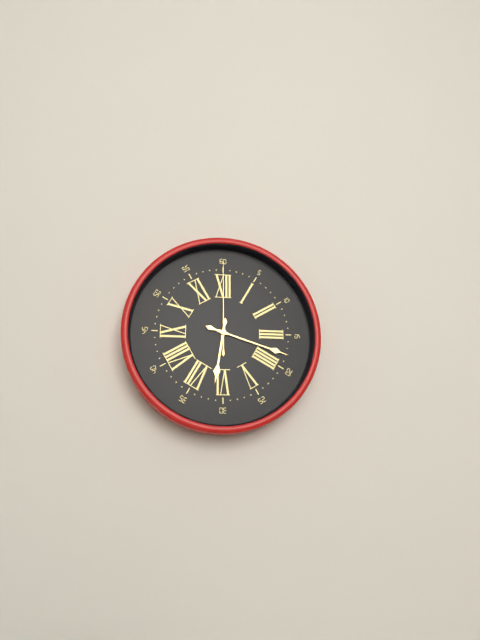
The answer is 6 h 18 min 00 s
